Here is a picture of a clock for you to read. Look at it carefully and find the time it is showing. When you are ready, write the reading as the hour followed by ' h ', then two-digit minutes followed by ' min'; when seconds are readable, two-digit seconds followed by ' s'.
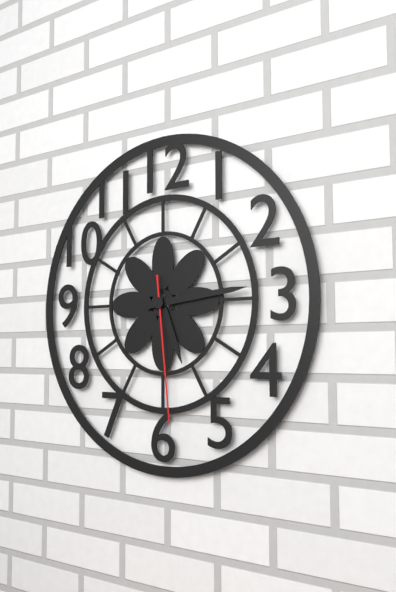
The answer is 5 h 14 min 29 s
